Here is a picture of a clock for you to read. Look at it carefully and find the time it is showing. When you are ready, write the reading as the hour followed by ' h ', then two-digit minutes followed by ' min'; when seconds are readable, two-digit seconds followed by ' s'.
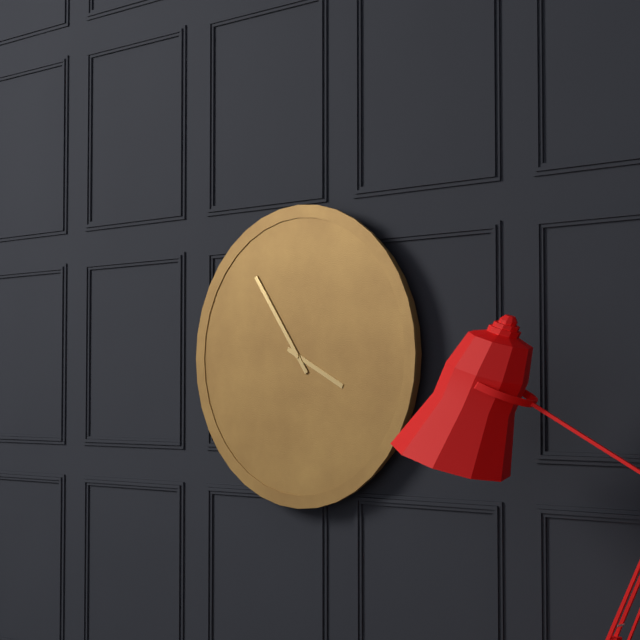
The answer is 3 h 54 min
